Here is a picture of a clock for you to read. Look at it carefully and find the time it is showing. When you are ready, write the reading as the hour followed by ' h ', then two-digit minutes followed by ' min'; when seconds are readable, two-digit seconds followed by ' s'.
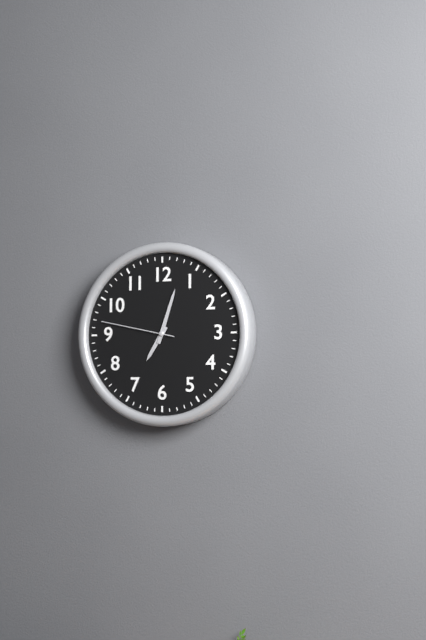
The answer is 7 h 03 min 47 s
